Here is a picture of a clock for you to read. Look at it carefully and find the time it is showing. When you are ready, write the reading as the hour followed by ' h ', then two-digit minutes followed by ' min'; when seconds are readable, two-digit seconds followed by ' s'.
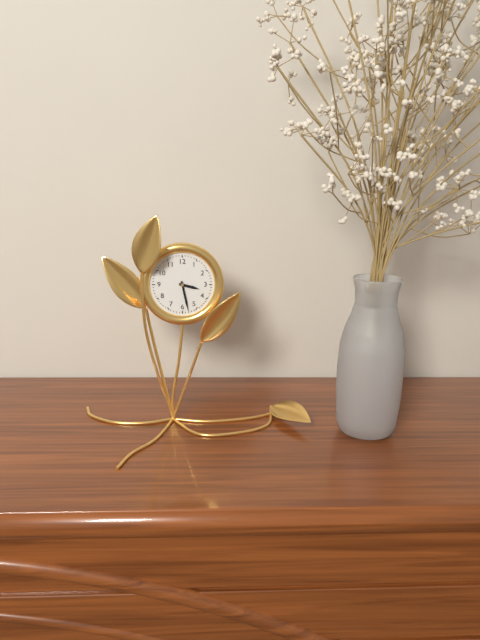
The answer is 3 h 28 min
